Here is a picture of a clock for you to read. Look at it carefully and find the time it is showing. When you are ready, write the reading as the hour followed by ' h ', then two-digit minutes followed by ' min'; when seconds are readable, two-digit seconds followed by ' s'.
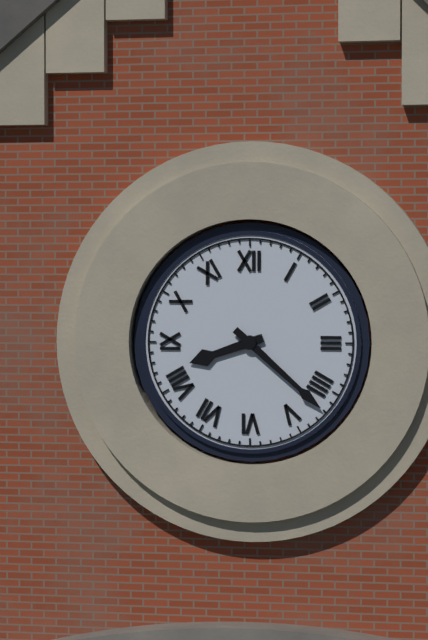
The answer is 8 h 22 min
